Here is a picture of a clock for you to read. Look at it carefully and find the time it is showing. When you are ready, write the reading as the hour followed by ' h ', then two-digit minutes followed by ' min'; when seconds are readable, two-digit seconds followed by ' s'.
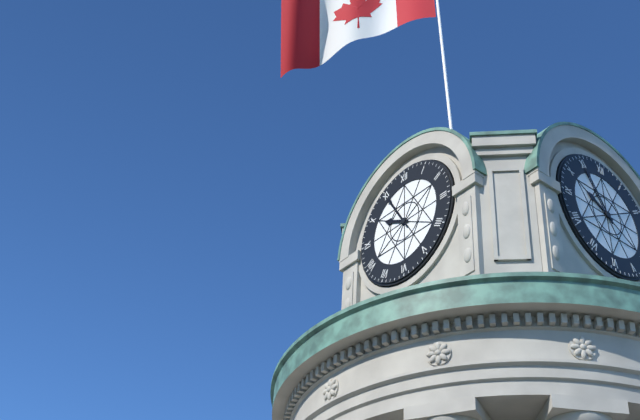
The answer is 9 h 55 min
